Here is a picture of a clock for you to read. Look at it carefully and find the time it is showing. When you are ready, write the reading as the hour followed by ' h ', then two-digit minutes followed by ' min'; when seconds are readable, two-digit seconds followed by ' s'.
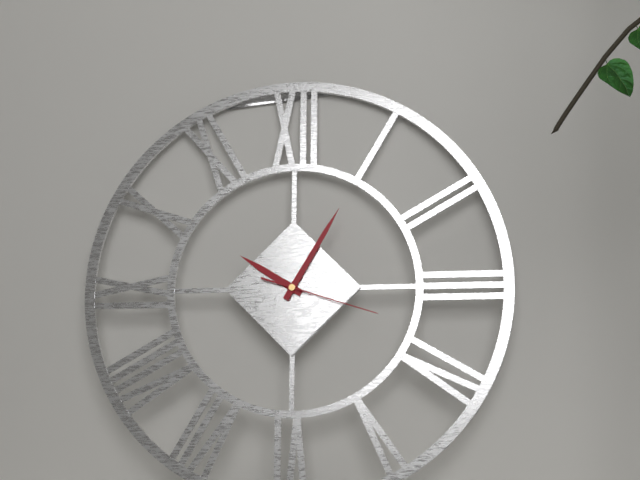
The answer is 10 h 05 min 18 s
